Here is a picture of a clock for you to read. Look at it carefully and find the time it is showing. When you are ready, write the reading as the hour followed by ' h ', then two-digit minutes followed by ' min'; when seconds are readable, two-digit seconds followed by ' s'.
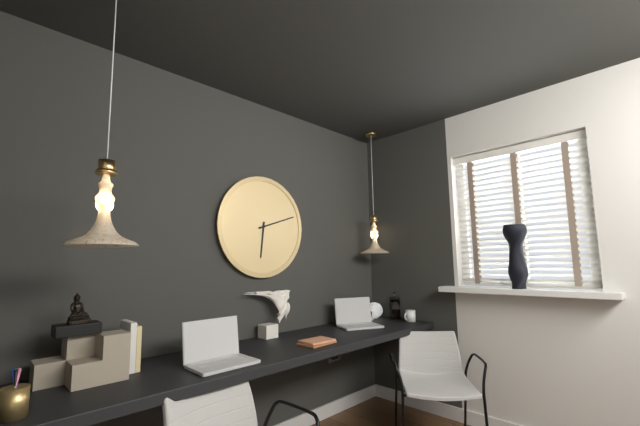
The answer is 6 h 12 min
